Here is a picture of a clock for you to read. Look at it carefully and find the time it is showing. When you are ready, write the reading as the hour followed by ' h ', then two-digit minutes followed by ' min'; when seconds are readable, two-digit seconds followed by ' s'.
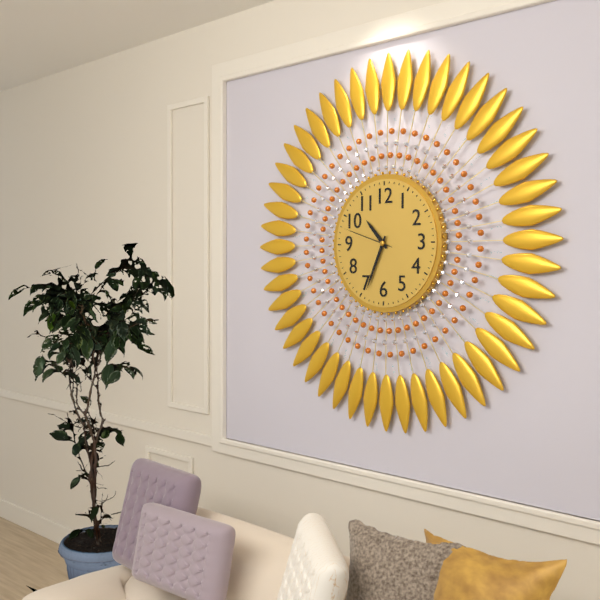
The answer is 10 h 34 min 48 s
